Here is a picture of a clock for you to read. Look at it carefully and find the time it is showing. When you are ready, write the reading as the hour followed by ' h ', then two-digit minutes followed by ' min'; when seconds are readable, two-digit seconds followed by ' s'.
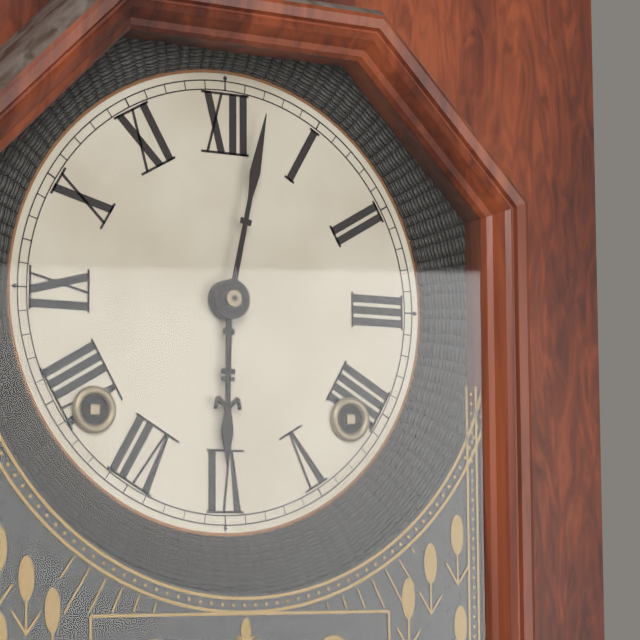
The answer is 6 h 02 min
